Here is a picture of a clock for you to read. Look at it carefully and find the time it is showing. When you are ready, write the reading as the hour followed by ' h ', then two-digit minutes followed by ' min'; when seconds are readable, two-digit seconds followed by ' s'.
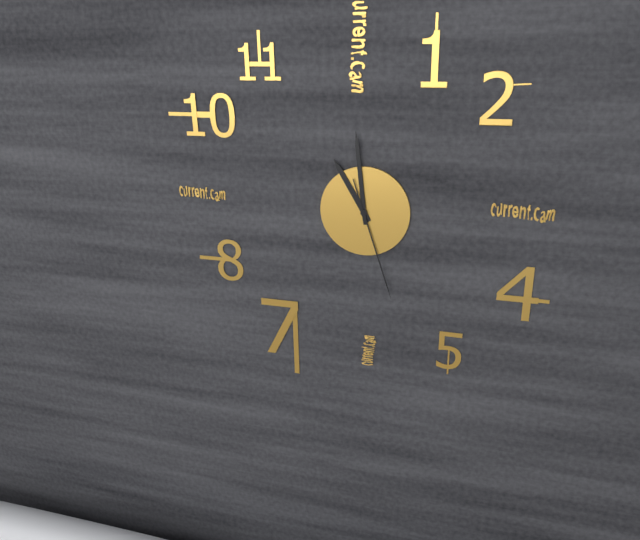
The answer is 10 h 59 min 27 s
